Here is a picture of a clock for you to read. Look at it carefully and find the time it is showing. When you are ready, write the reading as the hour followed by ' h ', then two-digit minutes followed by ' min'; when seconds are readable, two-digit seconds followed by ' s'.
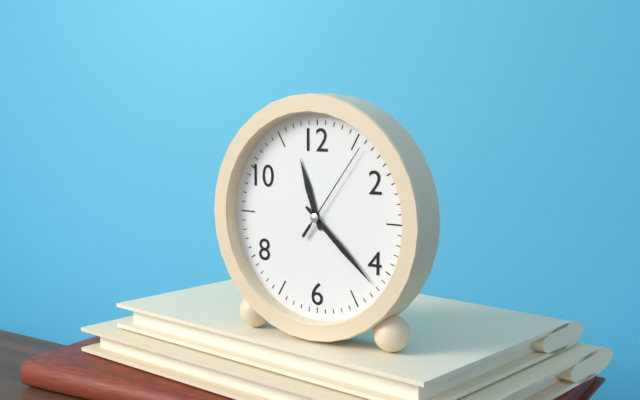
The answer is 11 h 22 min 06 s
